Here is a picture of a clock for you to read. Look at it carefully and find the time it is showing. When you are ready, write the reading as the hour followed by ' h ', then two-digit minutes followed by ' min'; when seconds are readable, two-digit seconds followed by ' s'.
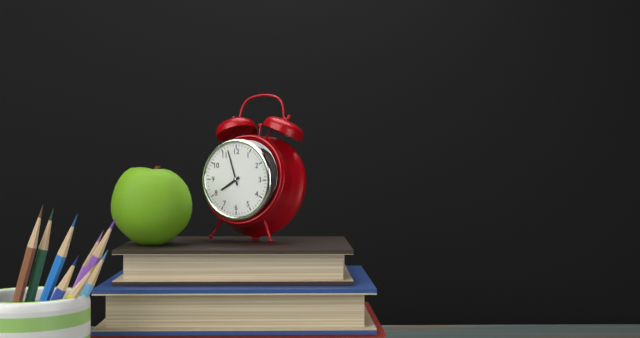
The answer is 7 h 57 min
